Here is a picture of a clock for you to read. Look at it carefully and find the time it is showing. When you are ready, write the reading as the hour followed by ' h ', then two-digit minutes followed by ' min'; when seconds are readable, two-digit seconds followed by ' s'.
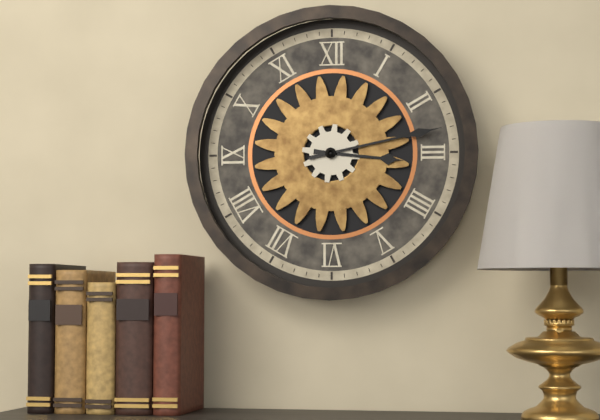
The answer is 3 h 13 min
